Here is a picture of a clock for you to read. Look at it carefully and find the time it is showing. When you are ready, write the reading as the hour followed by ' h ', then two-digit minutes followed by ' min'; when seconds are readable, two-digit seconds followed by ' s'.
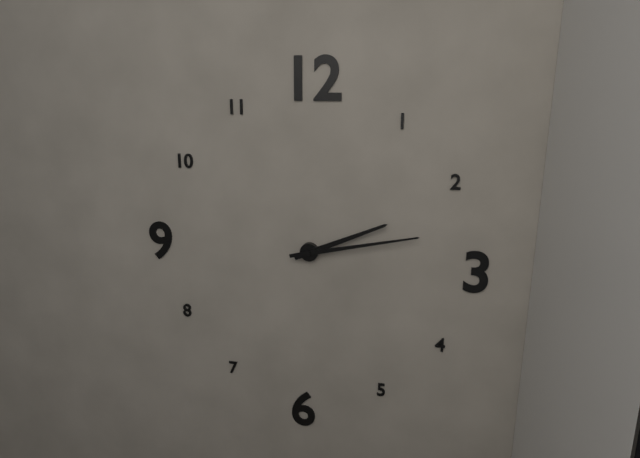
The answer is 2 h 13 min
